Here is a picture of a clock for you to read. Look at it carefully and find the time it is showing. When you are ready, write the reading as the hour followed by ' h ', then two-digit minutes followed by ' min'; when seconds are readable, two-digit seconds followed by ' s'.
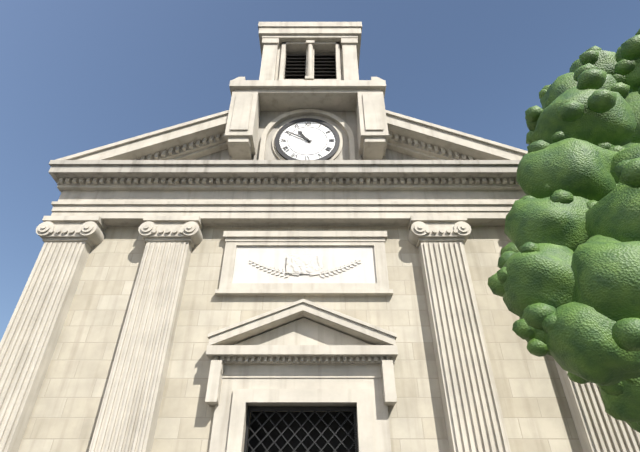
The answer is 10 h 50 min
